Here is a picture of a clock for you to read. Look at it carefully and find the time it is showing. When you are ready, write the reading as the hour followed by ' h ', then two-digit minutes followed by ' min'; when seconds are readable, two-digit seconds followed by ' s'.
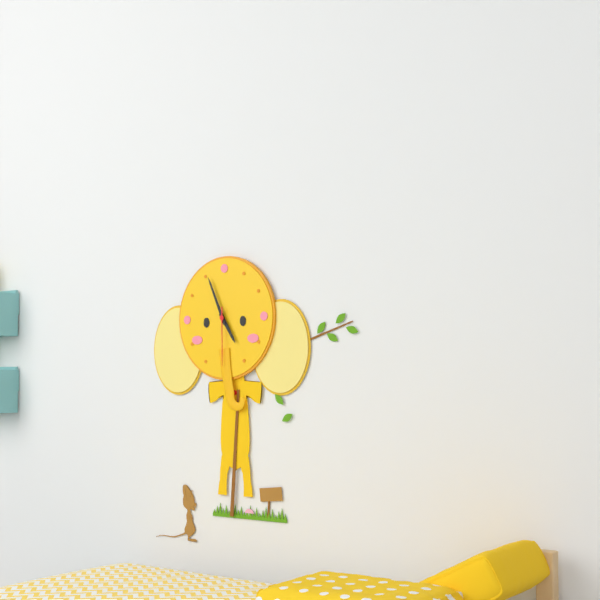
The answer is 4 h 56 min 30 s
